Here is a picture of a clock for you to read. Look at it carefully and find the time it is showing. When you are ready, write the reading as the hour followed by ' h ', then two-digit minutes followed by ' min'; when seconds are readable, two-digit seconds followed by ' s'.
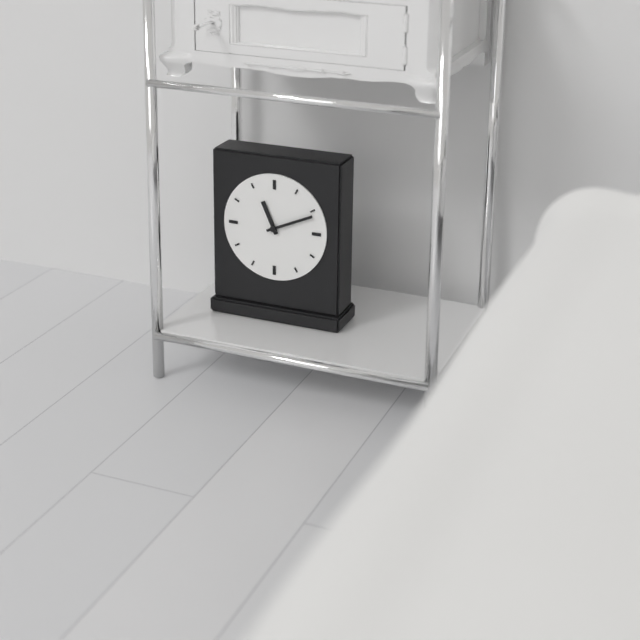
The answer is 11 h 11 min
